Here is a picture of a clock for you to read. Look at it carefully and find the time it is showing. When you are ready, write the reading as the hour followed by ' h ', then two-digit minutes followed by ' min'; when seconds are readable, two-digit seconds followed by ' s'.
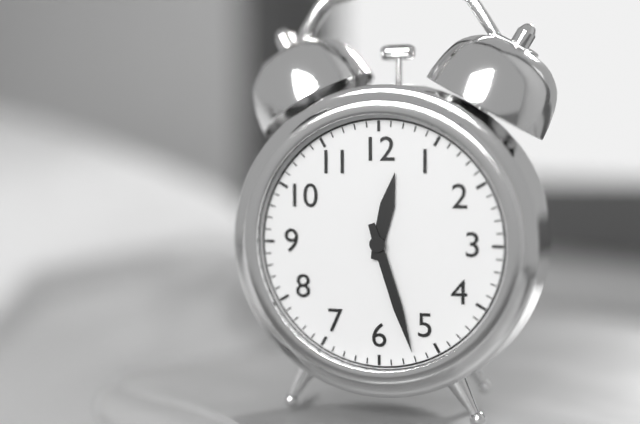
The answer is 12 h 27 min
